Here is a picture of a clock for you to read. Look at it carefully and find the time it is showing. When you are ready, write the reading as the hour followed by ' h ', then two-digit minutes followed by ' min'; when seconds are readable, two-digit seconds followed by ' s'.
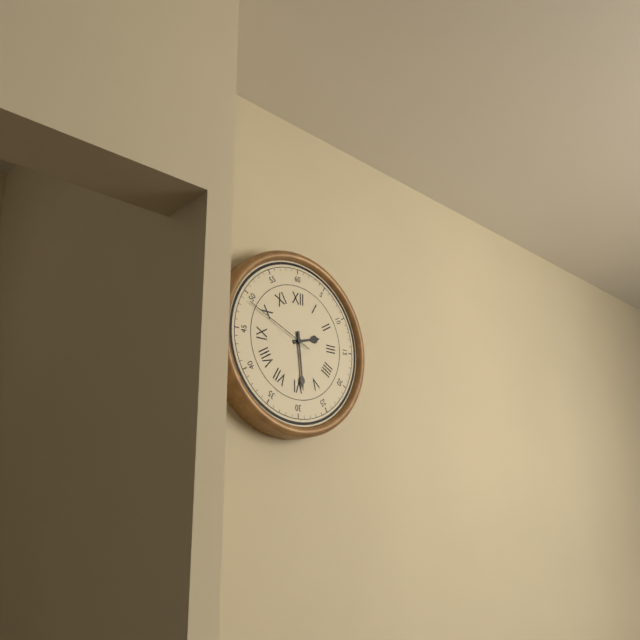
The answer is 2 h 29 min 49 s
